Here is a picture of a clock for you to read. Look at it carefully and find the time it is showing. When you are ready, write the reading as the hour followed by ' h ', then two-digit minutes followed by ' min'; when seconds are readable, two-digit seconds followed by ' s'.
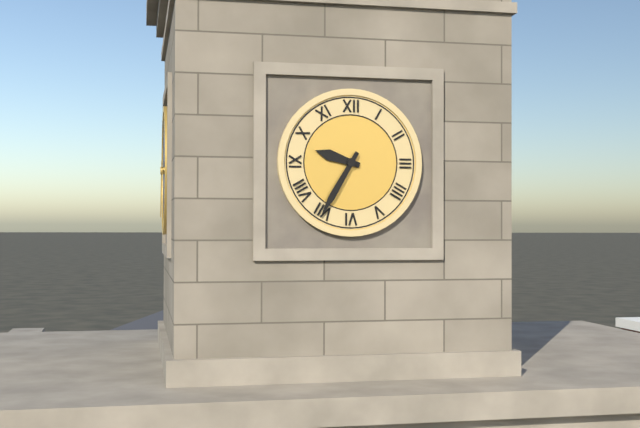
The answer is 9 h 35 min
